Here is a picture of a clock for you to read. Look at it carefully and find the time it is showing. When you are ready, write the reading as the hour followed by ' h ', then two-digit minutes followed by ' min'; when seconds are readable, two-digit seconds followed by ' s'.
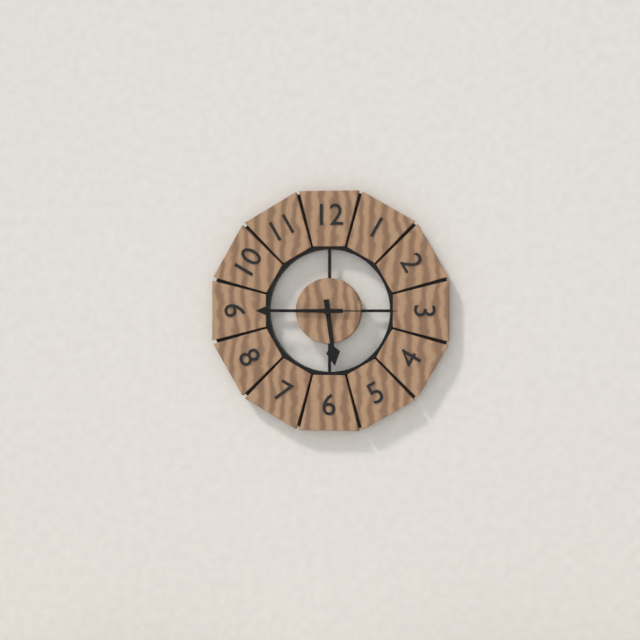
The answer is 5 h 45 min 15 s
